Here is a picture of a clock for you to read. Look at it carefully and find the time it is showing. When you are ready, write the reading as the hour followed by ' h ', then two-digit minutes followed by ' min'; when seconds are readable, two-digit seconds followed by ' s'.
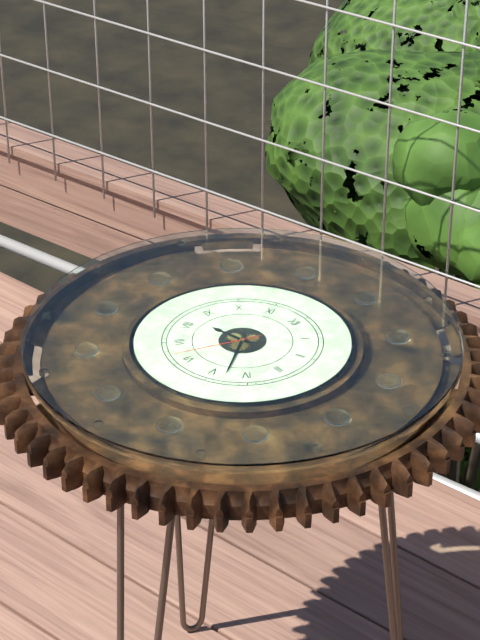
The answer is 8 h 23 min 32 s
